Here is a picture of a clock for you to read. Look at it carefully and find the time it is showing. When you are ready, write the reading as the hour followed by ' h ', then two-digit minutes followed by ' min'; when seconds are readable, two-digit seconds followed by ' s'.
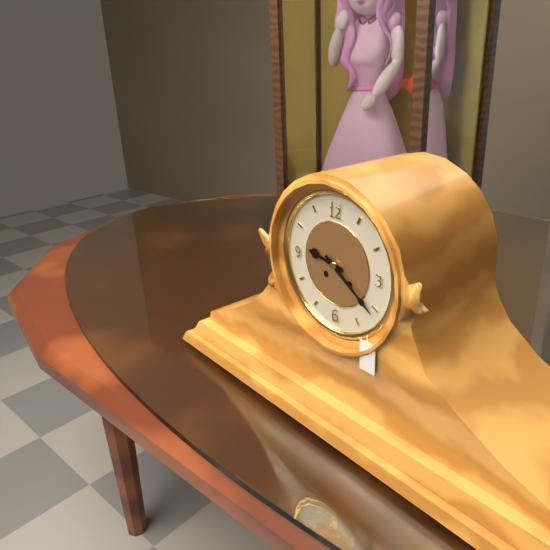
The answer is 9 h 21 min
